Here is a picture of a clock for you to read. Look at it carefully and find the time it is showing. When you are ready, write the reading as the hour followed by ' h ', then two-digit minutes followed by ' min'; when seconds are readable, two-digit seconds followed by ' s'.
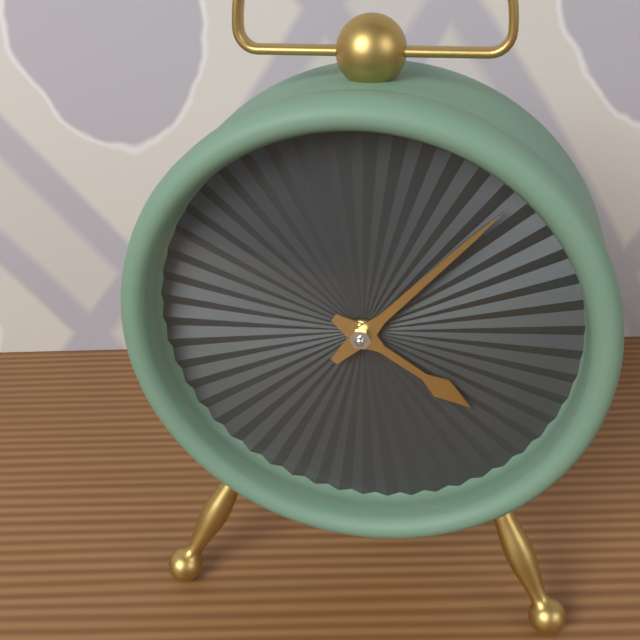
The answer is 4 h 07 min
